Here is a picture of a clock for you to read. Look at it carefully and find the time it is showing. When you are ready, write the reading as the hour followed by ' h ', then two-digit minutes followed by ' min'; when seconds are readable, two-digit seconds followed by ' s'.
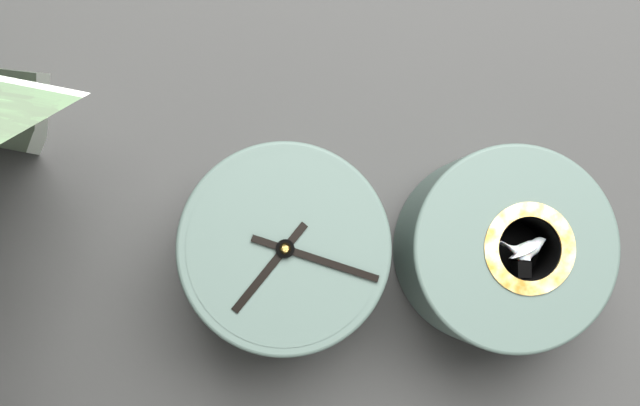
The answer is 7 h 18 min
